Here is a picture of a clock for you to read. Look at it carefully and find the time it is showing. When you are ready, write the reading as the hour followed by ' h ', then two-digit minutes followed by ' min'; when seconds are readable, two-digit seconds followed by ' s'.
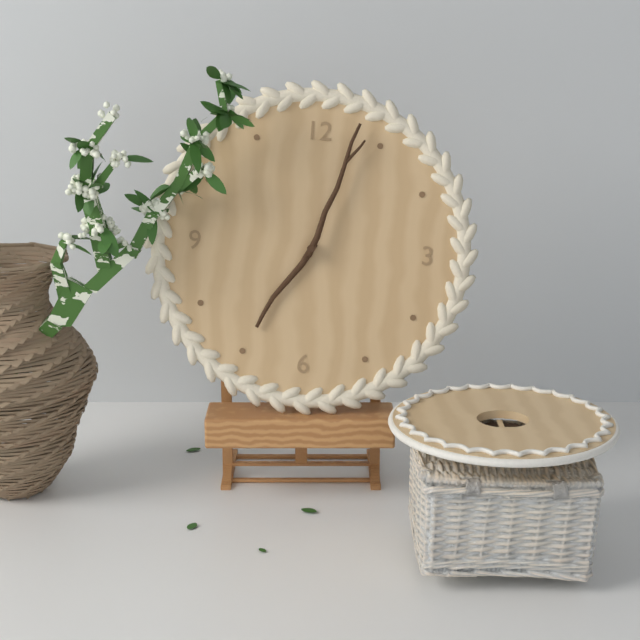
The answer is 7 h 03 min
